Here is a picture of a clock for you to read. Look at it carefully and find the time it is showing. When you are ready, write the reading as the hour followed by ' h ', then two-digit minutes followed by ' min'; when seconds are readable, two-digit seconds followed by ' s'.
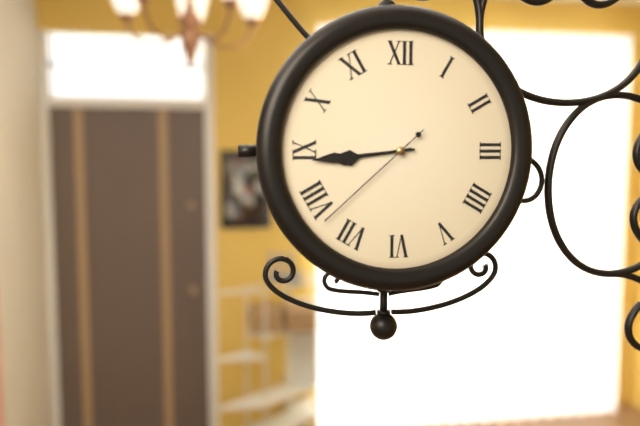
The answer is 8 h 44 min 38 s
